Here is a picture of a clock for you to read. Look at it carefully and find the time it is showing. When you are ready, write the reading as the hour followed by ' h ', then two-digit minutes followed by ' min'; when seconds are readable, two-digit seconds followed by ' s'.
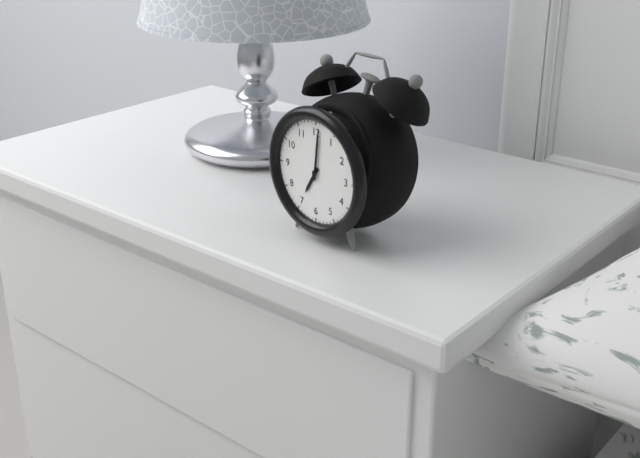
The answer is 7 h 01 min
